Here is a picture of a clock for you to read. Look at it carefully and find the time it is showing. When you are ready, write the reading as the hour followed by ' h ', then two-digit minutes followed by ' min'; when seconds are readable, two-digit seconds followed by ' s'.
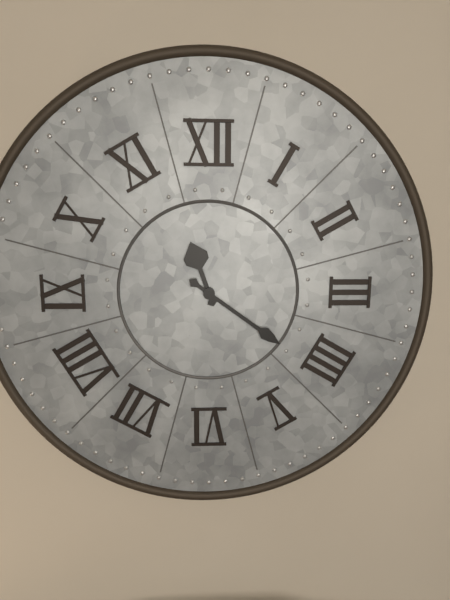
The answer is 11 h 21 min
